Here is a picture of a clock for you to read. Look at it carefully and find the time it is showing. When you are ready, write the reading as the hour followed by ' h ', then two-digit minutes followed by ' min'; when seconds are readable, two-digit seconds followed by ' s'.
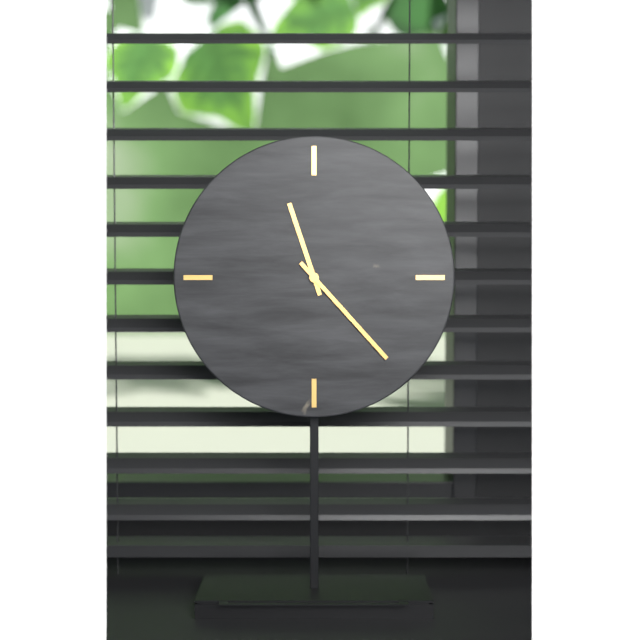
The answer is 11 h 23 min
